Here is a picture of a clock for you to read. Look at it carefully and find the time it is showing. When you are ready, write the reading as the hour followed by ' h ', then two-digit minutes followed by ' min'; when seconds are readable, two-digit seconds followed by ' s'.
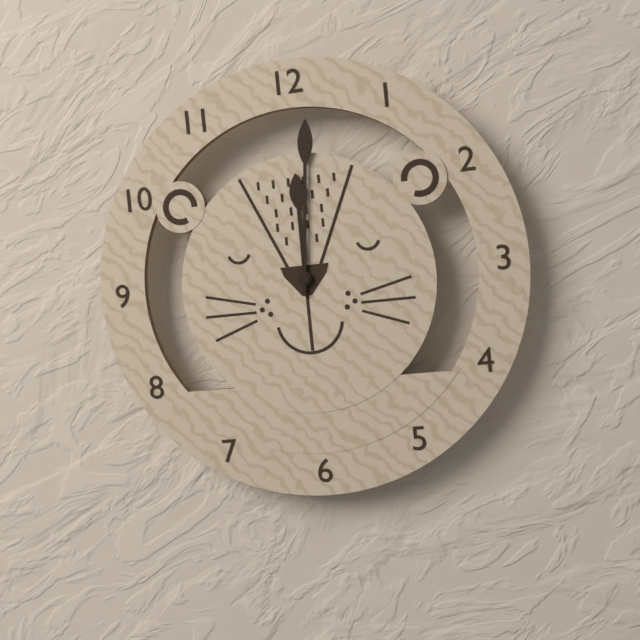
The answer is 12 h 01 min
